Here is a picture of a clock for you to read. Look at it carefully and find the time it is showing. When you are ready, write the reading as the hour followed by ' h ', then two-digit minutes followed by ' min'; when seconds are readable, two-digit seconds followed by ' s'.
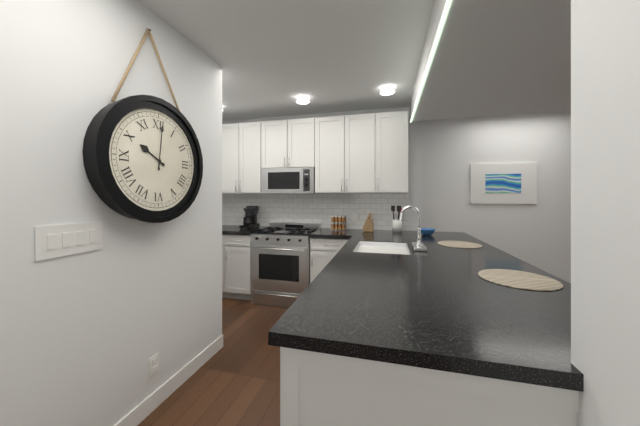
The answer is 10 h 01 min
